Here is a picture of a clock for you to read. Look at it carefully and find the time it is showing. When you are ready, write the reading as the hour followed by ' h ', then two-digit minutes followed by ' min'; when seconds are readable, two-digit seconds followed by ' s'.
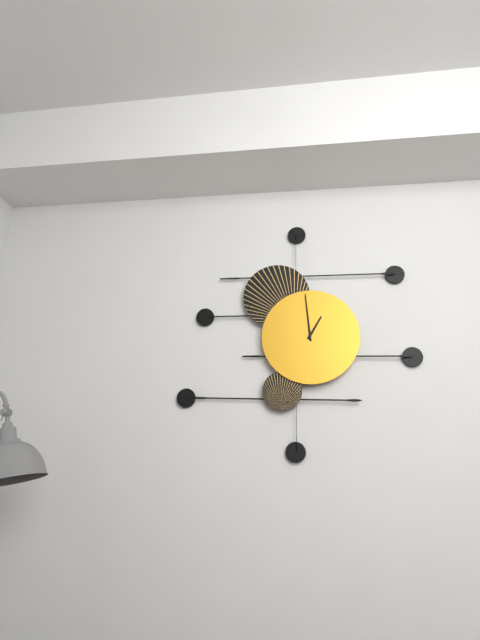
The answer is 12 h 59 min
